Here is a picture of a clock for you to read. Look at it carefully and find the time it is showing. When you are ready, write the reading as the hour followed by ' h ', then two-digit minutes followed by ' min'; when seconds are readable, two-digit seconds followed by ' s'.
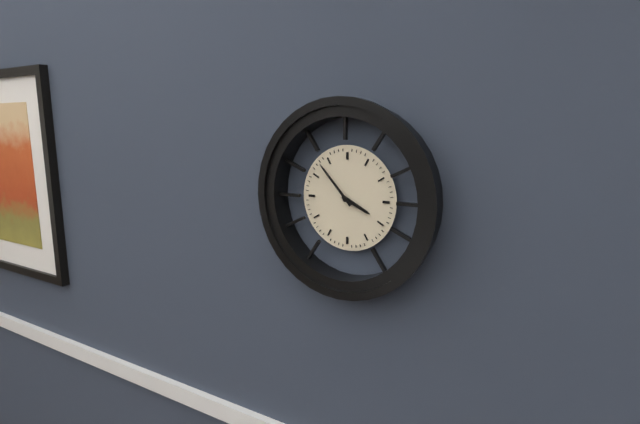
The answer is 3 h 53 min
